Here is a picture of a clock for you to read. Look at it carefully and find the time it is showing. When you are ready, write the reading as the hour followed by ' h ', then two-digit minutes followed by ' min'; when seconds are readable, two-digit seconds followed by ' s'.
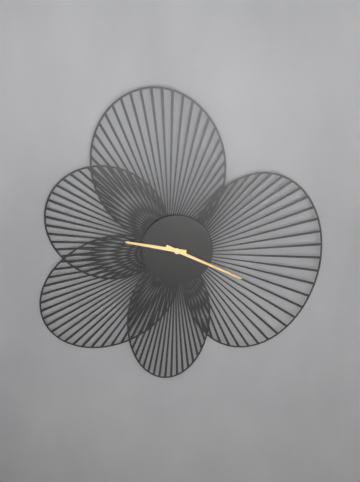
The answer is 9 h 19 min
